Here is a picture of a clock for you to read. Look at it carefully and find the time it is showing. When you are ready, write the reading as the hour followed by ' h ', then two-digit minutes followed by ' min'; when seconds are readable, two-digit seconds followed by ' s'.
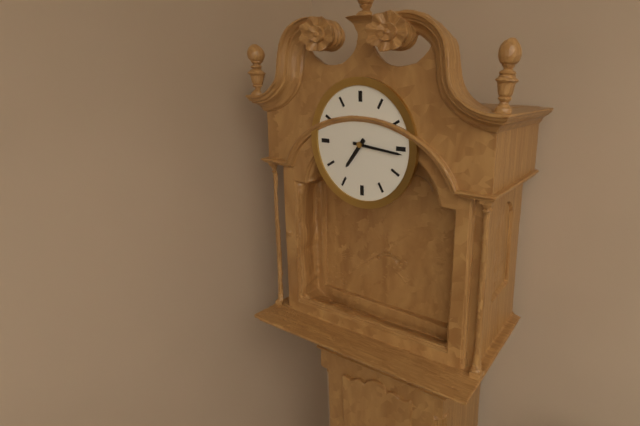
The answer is 7 h 16 min
